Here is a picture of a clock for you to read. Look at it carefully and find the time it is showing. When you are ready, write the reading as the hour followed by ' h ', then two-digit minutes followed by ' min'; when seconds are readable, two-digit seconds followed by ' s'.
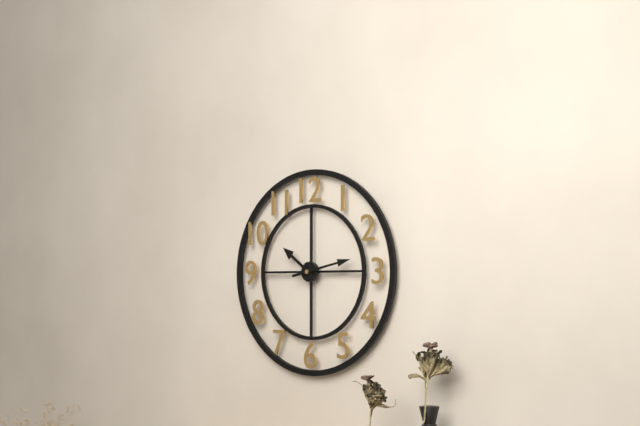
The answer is 10 h 13 min
